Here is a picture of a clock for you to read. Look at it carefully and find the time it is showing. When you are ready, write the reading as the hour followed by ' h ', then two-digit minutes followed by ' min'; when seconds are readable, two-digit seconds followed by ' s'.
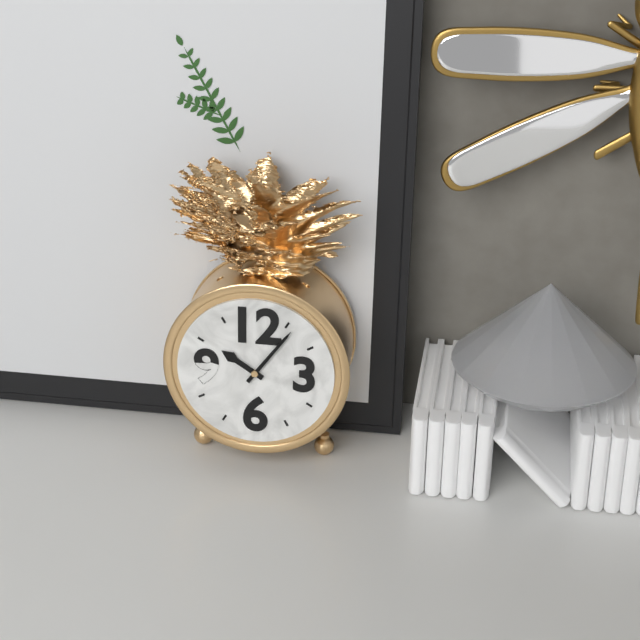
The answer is 10 h 06 min
